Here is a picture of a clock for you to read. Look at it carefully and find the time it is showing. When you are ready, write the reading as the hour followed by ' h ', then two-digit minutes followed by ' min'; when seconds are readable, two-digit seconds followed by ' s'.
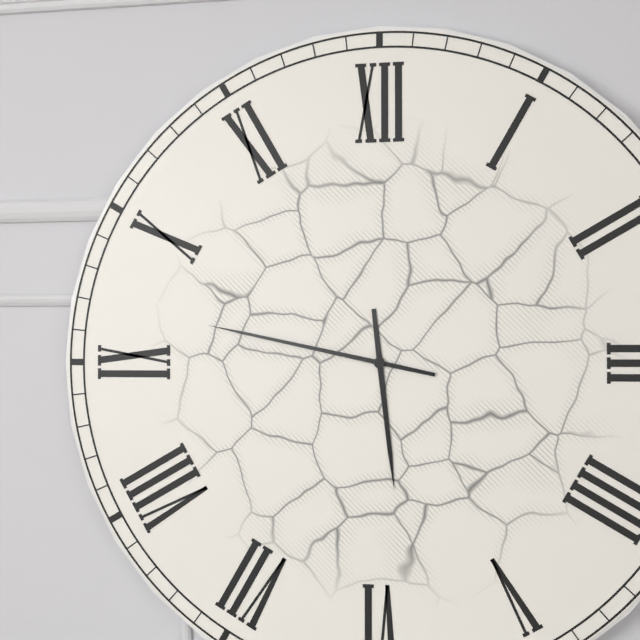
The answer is 5 h 47 min
